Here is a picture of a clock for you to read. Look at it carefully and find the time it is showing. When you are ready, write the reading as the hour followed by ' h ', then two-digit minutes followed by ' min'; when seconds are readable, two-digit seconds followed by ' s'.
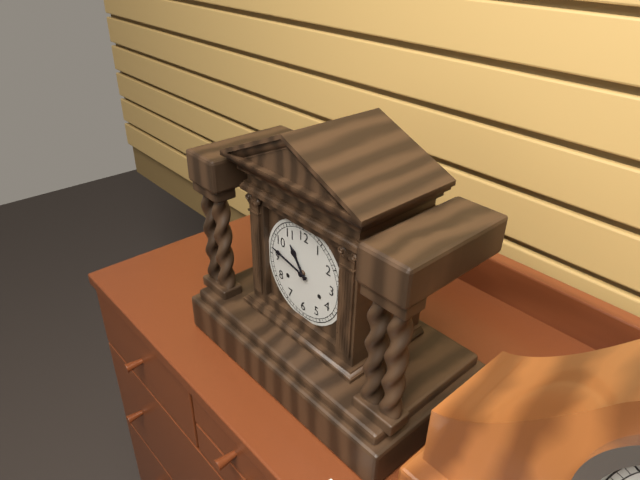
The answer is 10 h 47 min
